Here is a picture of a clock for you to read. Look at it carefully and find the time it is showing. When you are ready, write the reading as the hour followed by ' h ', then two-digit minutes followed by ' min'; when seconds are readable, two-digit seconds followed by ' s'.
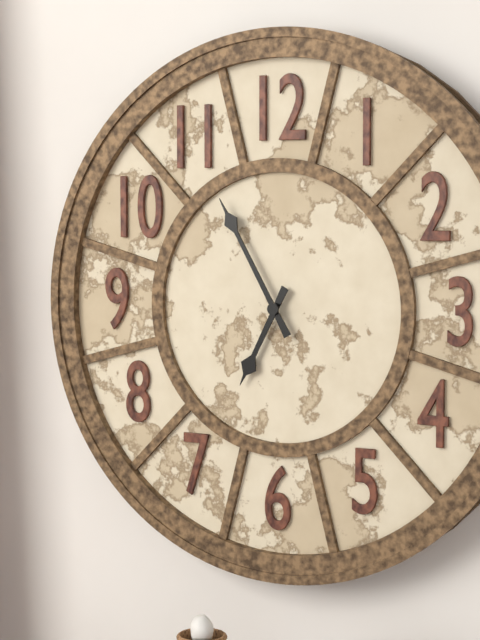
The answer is 6 h 55 min
